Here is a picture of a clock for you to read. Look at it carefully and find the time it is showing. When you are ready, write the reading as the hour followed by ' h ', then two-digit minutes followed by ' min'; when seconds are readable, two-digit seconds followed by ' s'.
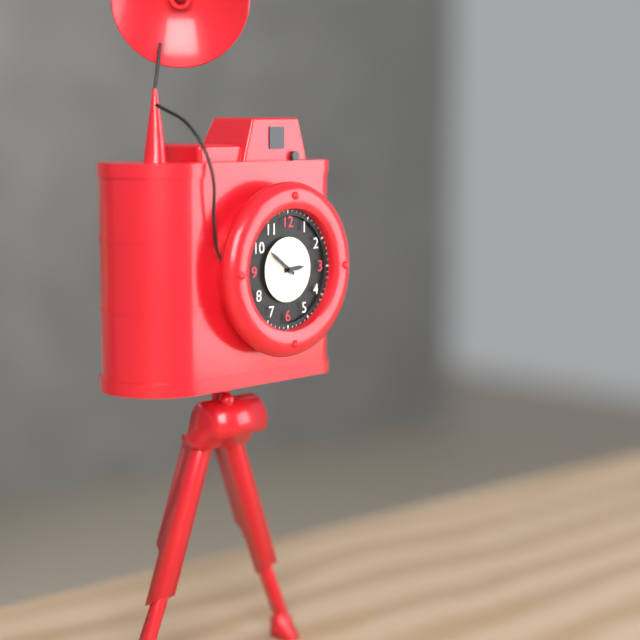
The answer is 2 h 51 min
